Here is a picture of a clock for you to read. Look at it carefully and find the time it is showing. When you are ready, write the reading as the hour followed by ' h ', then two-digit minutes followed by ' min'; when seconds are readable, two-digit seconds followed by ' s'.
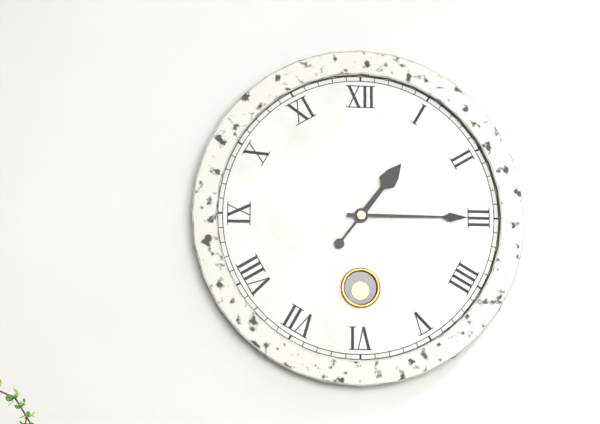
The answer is 1 h 15 min
